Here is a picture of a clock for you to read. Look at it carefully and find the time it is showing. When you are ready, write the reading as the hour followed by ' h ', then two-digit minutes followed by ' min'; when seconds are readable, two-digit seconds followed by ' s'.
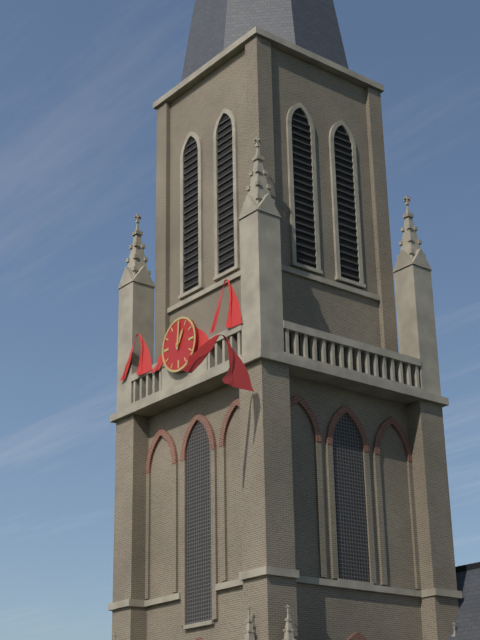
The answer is 1 h 01 min
